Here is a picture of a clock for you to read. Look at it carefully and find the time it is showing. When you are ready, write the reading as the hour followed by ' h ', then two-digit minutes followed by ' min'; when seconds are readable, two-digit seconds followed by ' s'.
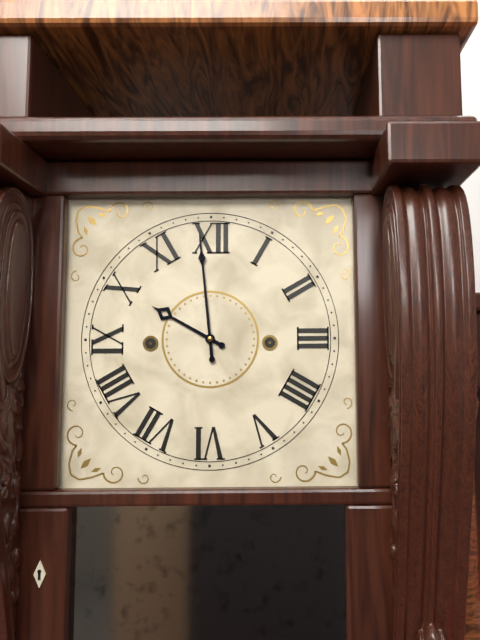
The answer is 9 h 59 min
